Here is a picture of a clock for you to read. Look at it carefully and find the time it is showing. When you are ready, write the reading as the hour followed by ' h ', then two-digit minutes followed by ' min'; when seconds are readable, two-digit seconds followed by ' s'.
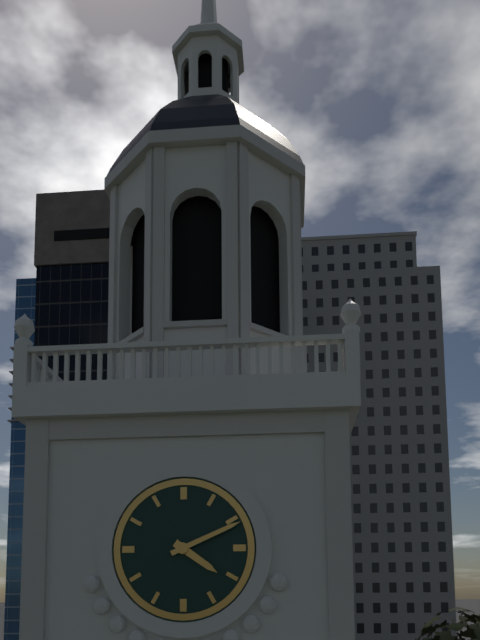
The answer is 4 h 11 min
